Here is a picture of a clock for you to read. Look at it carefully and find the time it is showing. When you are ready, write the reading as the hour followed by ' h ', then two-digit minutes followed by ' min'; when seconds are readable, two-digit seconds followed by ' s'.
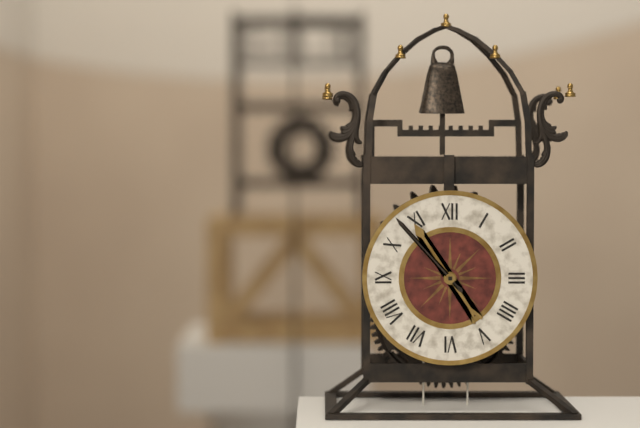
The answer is 10 h 53 min
